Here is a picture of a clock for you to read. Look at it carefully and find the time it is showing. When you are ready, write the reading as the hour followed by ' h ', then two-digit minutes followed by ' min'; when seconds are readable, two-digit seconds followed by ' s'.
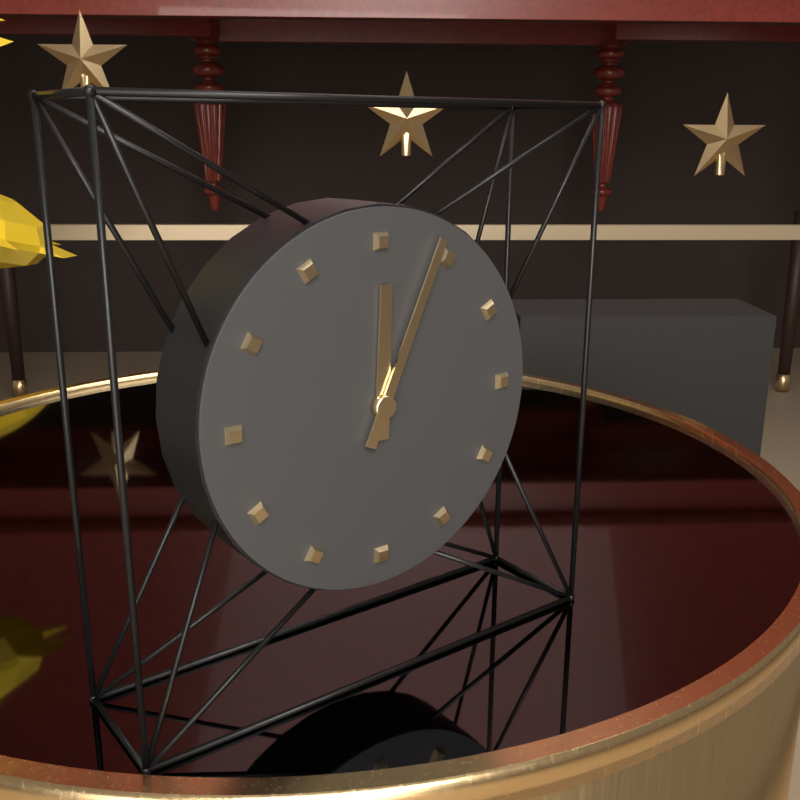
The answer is 12 h 04 min
